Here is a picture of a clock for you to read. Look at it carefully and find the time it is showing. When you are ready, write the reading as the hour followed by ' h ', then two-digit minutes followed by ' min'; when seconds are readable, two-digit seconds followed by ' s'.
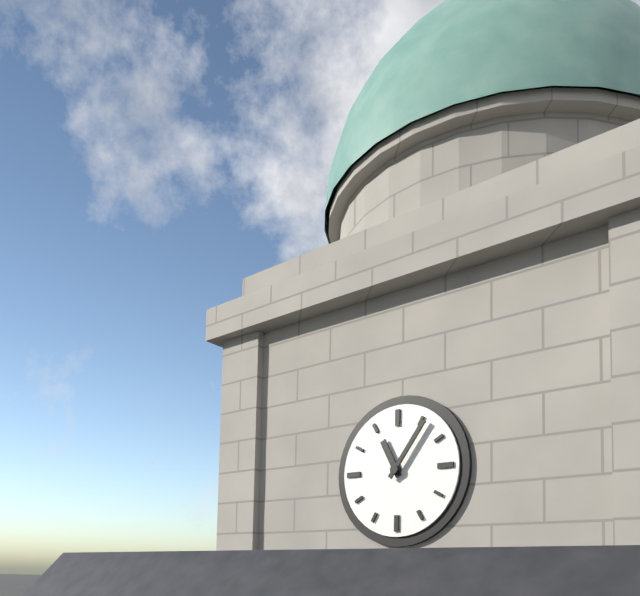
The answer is 11 h 06 min
